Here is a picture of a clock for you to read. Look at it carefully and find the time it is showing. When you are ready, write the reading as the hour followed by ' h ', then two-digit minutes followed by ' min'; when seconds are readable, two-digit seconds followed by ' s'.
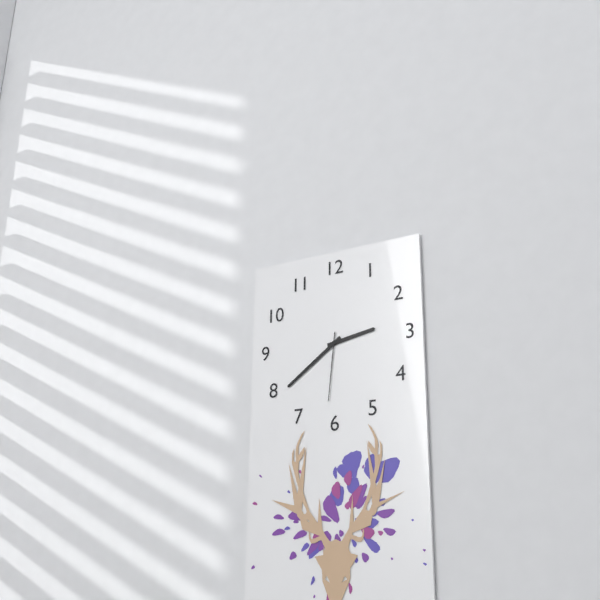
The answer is 2 h 39 min 31 s
